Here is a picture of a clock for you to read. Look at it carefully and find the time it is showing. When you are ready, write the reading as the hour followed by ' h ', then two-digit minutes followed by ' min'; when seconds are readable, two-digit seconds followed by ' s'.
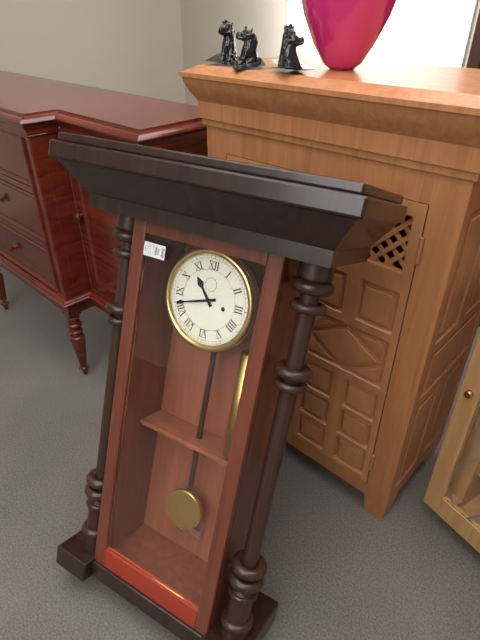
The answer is 10 h 42 min
